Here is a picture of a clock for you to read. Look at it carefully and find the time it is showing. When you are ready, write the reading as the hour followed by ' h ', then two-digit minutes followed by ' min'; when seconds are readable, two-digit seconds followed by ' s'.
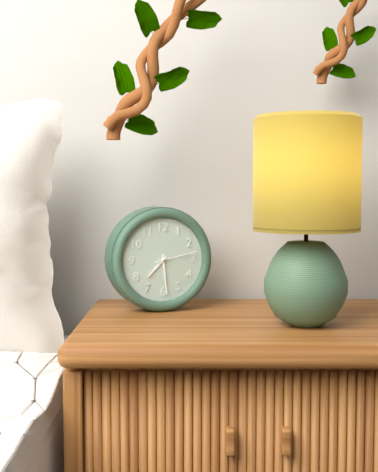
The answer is 7 h 29 min
